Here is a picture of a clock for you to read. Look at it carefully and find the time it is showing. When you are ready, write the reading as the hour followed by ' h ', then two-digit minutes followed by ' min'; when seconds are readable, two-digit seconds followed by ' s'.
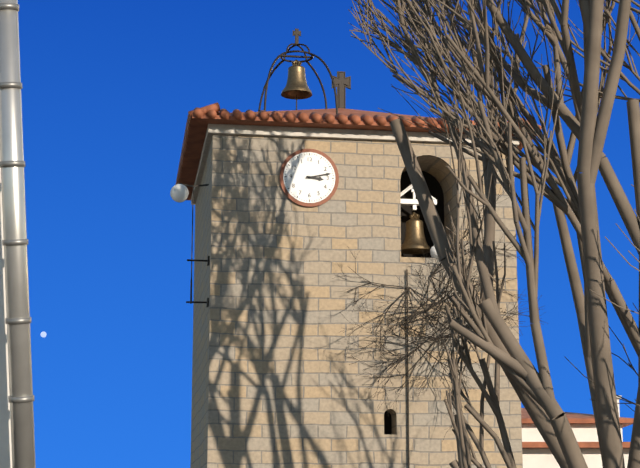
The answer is 3 h 13 min
